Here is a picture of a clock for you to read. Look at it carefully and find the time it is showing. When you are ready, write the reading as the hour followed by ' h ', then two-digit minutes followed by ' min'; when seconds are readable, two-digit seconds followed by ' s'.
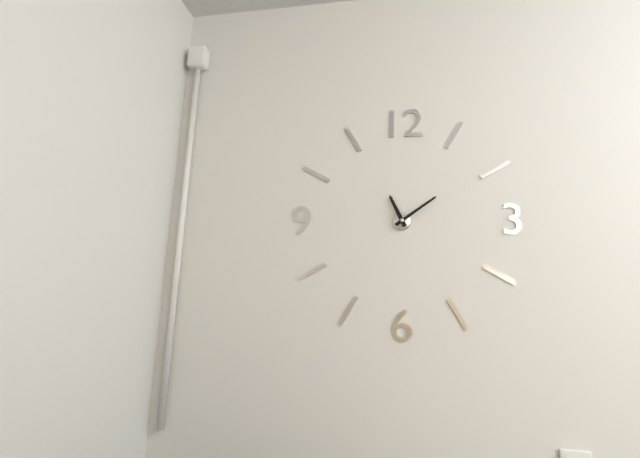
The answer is 11 h 09 min
